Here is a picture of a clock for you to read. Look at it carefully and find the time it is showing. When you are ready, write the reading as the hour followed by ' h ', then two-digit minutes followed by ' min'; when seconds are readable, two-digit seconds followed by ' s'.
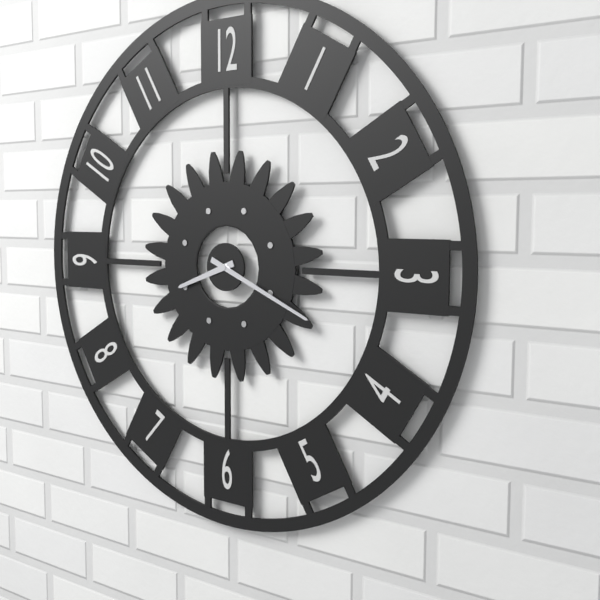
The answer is 8 h 19 min
